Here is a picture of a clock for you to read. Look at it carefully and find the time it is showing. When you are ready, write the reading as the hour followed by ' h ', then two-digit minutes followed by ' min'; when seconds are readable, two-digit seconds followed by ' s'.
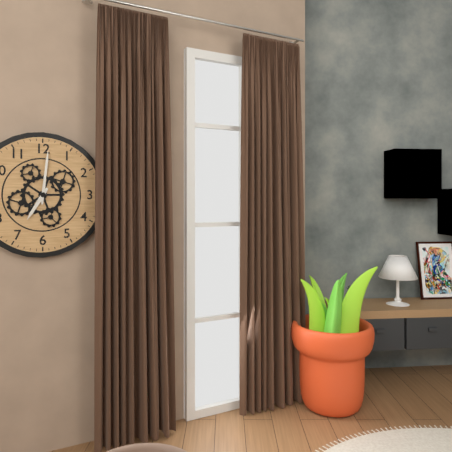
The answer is 7 h 01 min
